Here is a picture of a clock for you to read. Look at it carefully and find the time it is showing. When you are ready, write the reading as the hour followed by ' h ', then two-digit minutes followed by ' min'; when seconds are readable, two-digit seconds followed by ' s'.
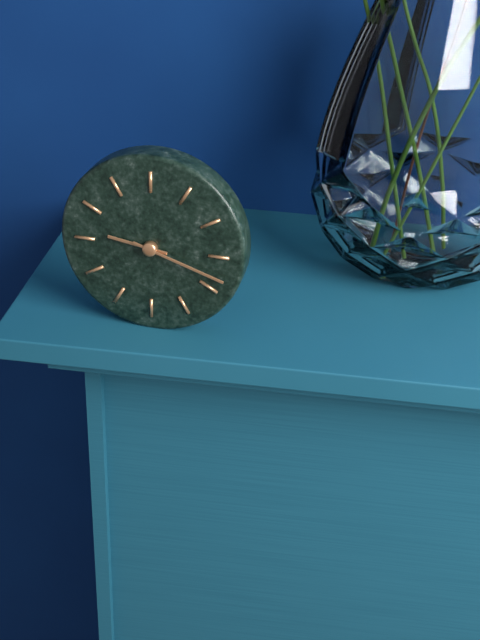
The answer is 9 h 18 min
